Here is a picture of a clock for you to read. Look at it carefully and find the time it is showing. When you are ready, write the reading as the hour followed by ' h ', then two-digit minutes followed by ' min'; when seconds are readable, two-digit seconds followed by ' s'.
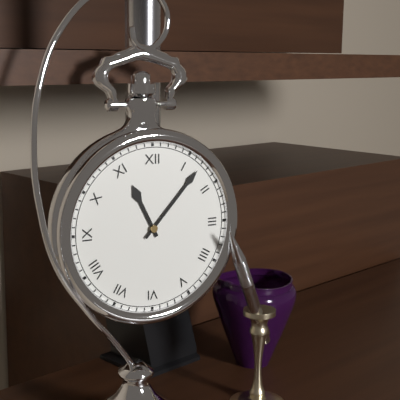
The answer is 11 h 07 min
